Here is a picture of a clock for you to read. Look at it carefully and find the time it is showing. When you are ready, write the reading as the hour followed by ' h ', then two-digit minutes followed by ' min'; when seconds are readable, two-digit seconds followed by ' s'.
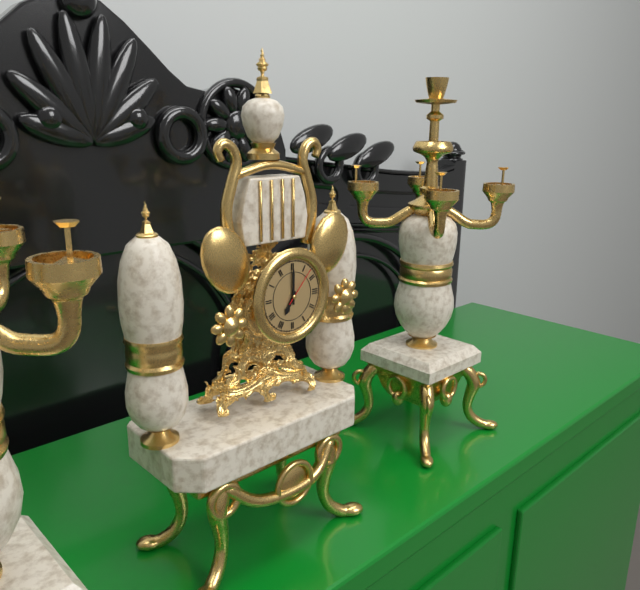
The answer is 7 h 00 min
